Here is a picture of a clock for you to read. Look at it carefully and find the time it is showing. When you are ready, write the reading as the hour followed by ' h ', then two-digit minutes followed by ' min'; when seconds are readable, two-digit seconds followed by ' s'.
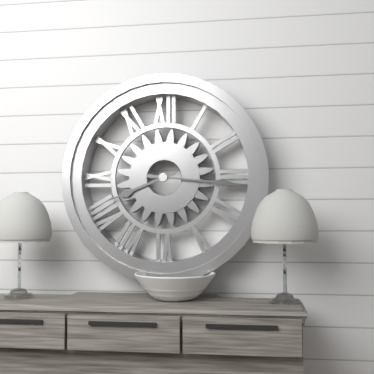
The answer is 8 h 16 min
